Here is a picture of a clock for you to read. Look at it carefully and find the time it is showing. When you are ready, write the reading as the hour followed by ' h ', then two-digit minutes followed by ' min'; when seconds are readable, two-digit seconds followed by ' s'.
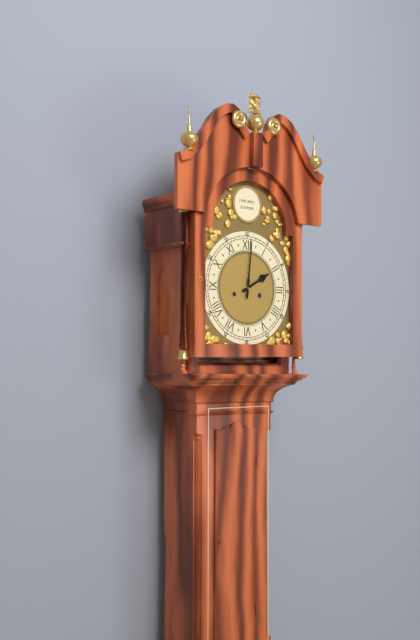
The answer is 2 h 01 min
